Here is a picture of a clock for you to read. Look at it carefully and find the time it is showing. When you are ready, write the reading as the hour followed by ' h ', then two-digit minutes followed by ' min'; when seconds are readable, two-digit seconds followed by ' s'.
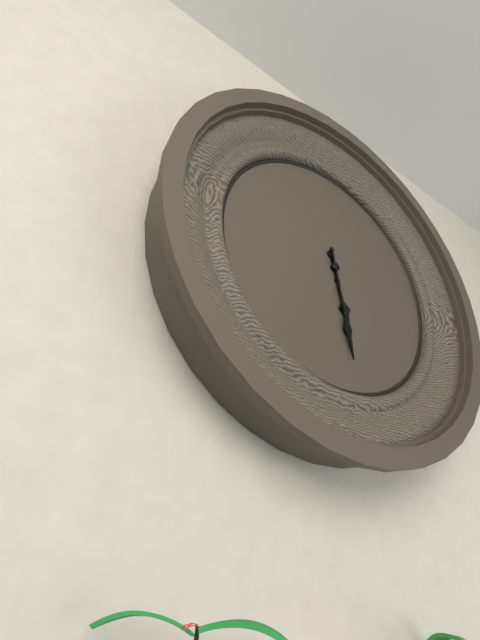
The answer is 5 h 28 min
